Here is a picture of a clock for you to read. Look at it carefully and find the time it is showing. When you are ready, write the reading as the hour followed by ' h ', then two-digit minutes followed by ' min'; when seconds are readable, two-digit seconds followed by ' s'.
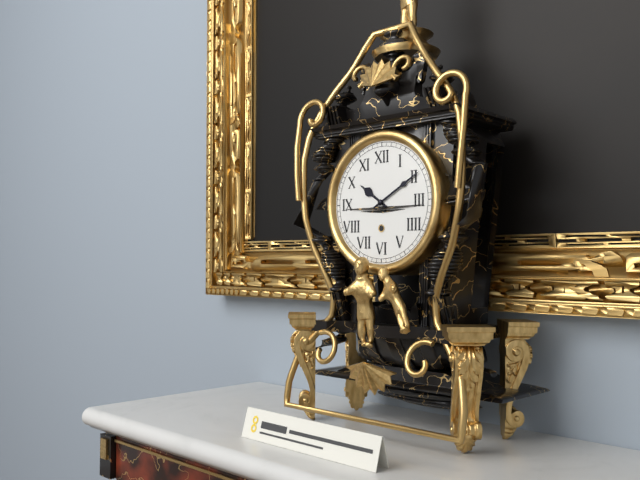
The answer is 10 h 10 min
